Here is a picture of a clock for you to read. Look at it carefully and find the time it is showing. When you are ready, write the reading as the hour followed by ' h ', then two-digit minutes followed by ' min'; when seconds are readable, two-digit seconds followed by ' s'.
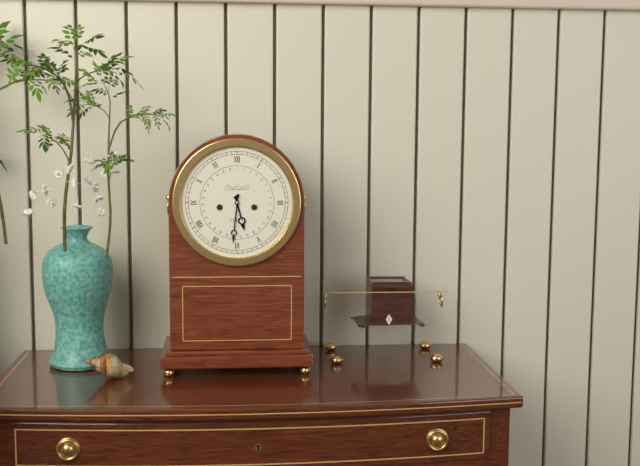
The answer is 5 h 31 min
